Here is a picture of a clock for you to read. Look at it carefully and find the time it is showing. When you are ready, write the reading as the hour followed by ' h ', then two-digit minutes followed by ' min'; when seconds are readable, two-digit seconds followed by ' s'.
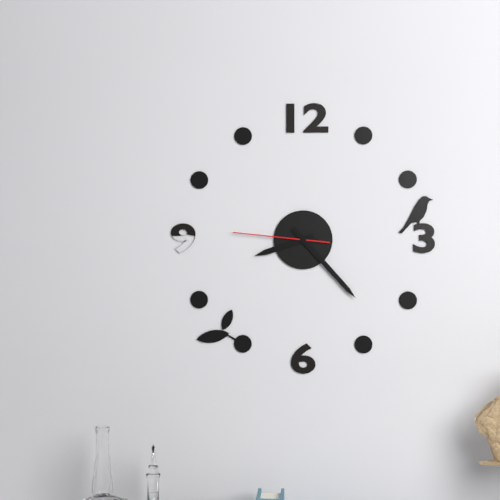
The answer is 8 h 23 min 46 s
